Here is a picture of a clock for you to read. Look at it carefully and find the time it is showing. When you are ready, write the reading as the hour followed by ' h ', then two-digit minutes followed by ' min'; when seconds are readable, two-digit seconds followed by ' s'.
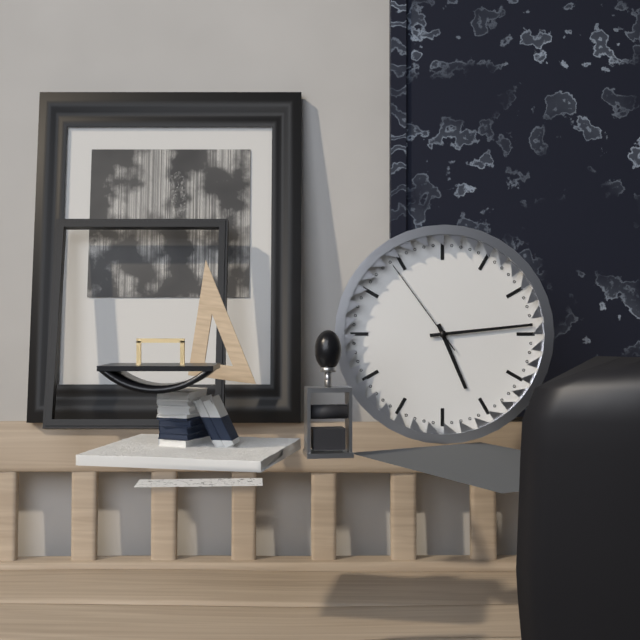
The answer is 5 h 14 min 54 s
